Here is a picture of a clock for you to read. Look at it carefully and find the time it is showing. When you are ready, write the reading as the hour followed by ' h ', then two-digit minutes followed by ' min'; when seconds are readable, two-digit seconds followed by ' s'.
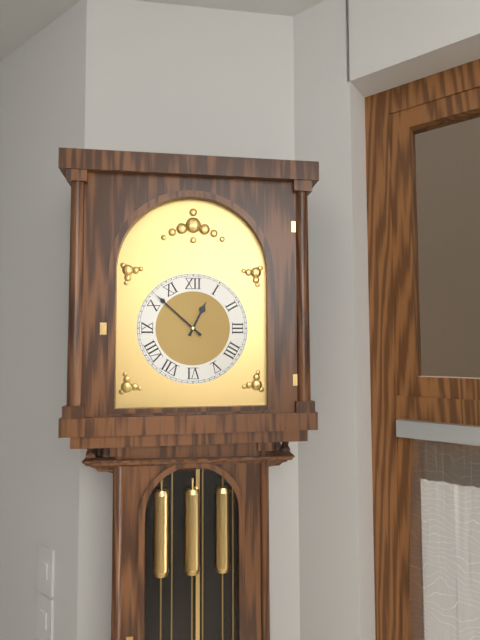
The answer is 12 h 52 min
